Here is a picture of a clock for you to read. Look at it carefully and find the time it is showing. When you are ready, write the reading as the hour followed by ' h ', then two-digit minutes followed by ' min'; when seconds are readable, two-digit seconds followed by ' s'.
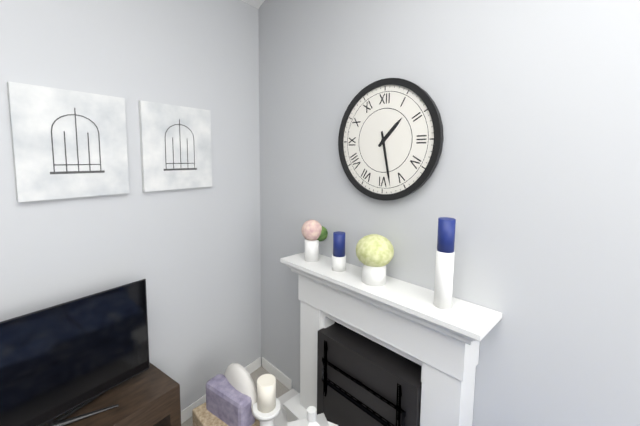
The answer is 1 h 28 min
